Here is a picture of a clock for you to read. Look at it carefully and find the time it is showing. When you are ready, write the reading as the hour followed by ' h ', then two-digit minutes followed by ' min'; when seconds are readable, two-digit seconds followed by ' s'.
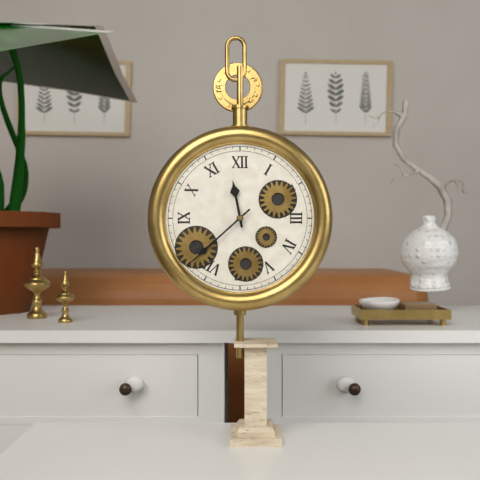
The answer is 11 h 38 min
